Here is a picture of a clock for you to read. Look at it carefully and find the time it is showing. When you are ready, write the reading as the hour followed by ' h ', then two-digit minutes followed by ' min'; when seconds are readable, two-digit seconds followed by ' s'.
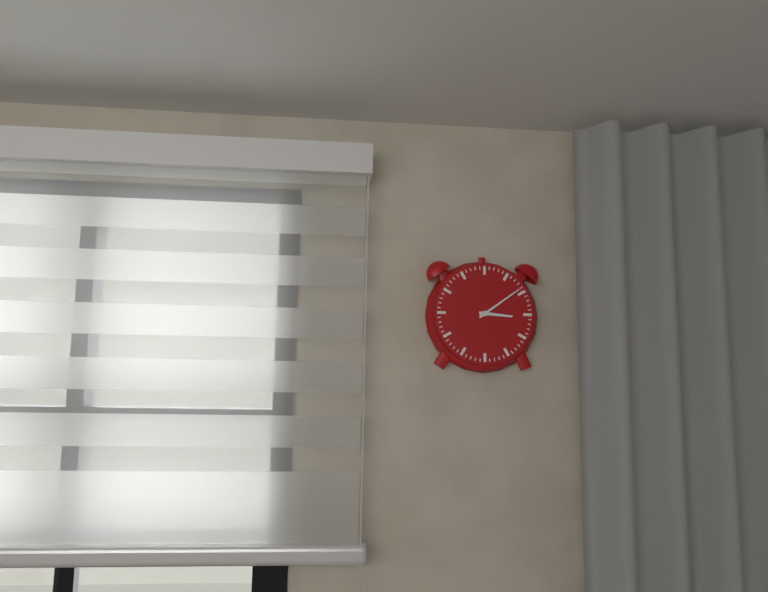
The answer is 3 h 09 min
